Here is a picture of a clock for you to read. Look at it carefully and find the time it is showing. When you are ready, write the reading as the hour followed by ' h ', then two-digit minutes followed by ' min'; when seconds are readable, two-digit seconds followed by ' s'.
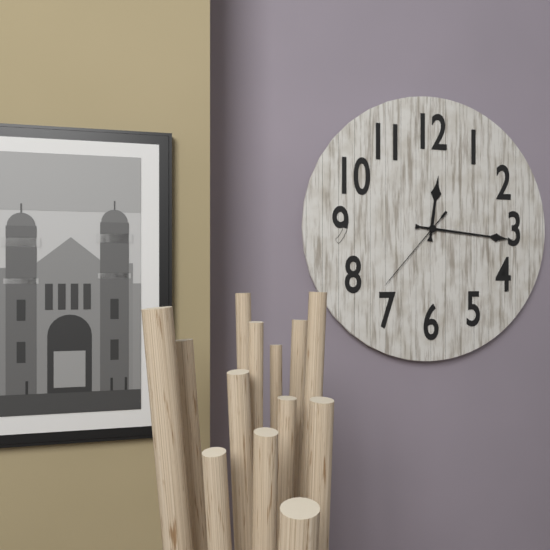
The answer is 12 h 16 min 37 s
